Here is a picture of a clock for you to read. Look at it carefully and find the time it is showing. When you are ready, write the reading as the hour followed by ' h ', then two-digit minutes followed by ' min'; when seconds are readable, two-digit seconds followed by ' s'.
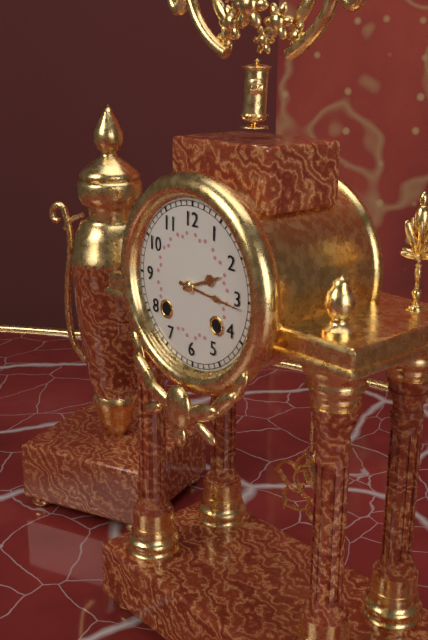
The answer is 2 h 16 min
